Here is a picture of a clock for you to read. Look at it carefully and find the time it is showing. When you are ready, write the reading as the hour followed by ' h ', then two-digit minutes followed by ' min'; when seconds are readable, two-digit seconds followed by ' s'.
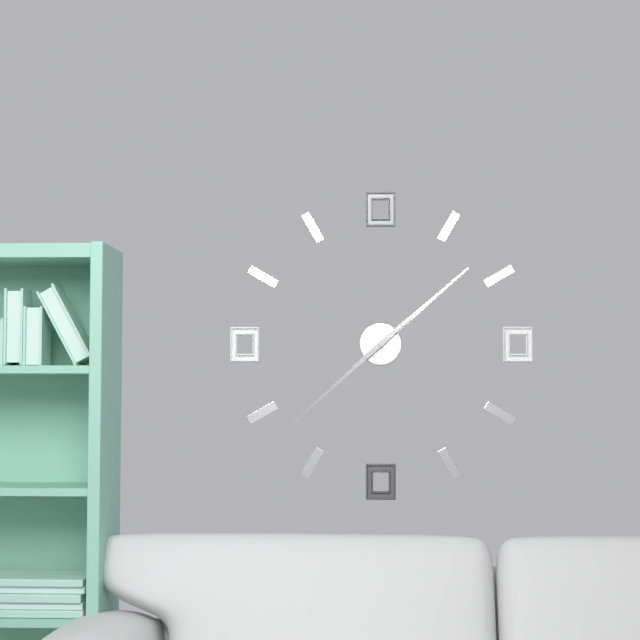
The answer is 1 h 38 min
